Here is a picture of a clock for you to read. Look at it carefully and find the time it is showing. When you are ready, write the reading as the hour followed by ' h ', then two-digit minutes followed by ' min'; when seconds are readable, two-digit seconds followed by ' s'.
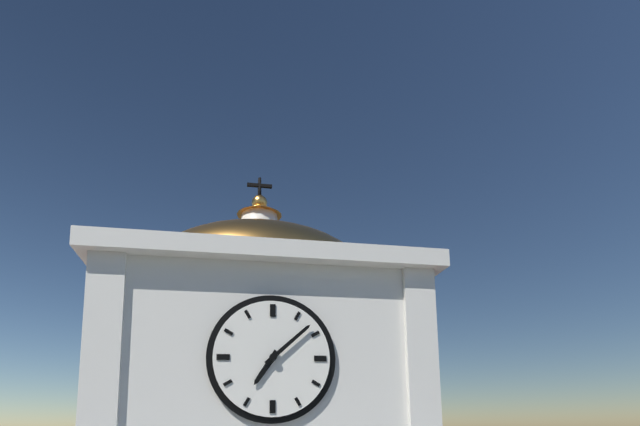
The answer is 7 h 08 min
